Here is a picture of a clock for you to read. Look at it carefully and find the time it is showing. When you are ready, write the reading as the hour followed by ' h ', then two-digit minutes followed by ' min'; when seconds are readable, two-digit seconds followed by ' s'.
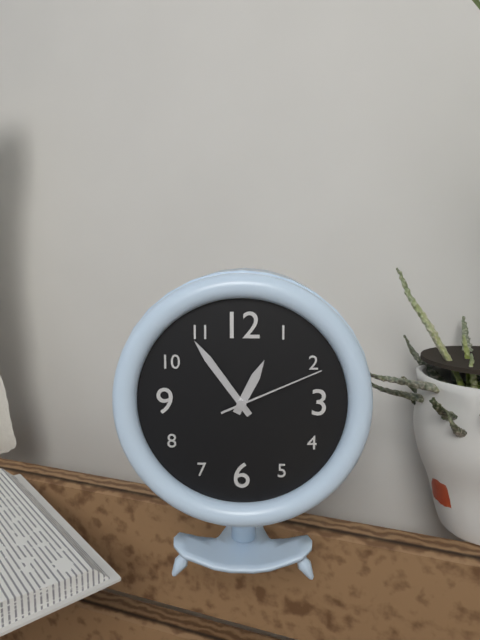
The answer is 12 h 54 min 11 s
